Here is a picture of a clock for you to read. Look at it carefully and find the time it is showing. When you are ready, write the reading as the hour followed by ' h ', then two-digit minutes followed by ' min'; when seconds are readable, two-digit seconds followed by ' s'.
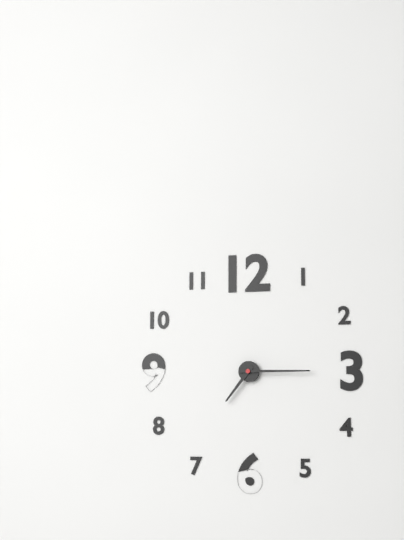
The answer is 7 h 15 min
